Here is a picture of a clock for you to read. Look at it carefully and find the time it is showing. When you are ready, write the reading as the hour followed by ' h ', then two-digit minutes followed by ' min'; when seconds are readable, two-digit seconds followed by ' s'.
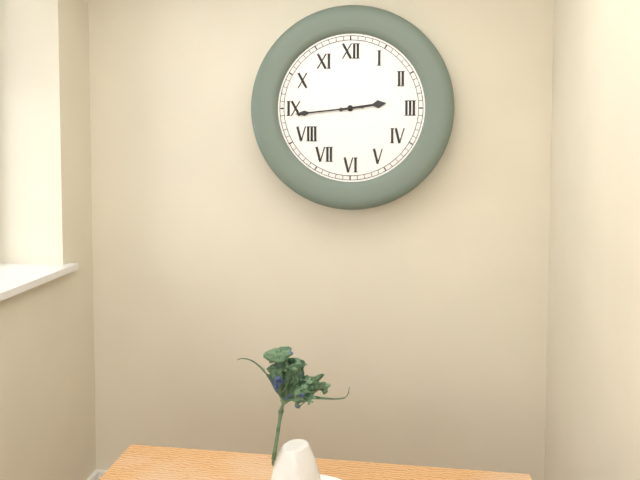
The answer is 2 h 44 min
